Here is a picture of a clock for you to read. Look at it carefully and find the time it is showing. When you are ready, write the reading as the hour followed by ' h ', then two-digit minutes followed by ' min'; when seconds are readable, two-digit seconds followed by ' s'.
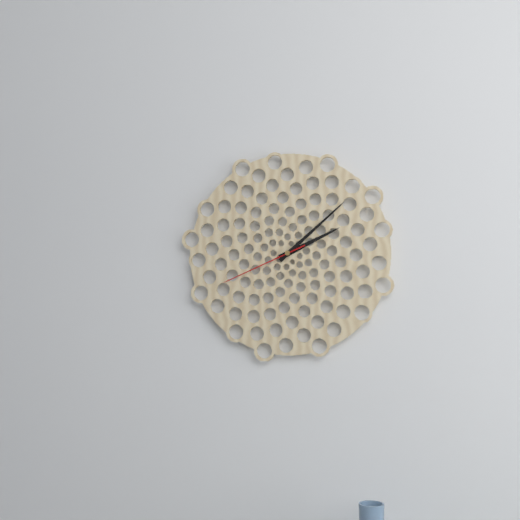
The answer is 2 h 08 min 41 s
